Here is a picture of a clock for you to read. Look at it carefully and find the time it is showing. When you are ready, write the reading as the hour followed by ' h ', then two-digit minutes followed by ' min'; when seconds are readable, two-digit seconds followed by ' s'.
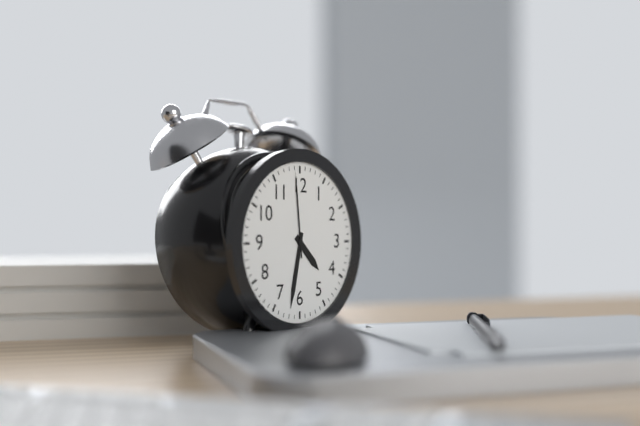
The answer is 4 h 32 min 59 s
